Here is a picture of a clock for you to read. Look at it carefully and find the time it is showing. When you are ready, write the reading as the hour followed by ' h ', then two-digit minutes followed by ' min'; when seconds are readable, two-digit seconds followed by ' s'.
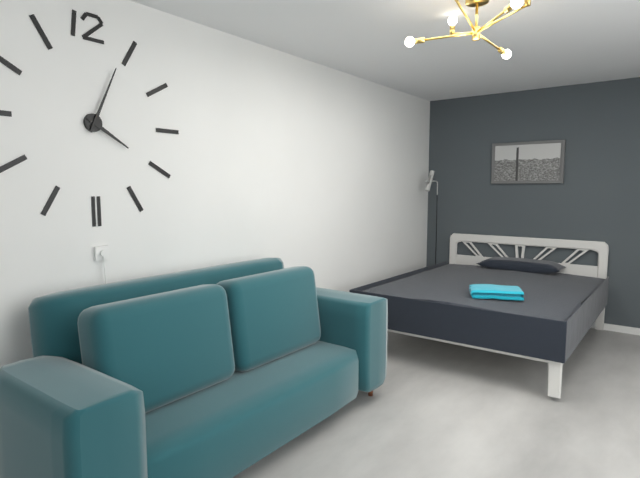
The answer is 4 h 04 min
